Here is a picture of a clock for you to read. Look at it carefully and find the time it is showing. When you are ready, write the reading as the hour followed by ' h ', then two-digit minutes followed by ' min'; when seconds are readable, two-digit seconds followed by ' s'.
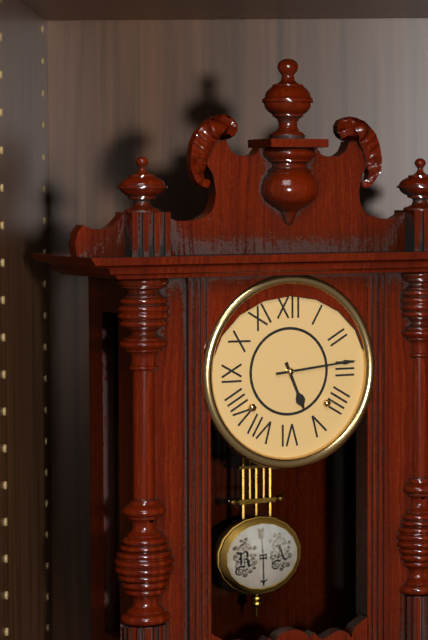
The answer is 5 h 14 min
